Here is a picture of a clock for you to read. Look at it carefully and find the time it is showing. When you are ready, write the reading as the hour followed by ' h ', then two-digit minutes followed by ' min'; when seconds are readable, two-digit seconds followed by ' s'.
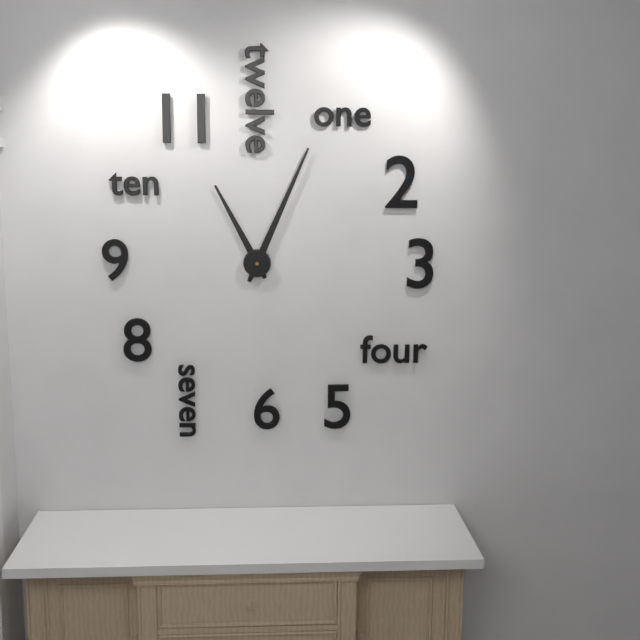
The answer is 11 h 04 min
